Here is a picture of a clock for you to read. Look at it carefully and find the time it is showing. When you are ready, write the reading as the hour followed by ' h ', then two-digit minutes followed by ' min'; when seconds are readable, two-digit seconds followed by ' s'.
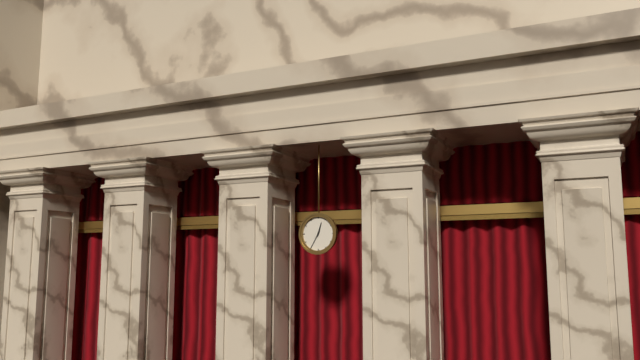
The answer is 12 h 35 min
